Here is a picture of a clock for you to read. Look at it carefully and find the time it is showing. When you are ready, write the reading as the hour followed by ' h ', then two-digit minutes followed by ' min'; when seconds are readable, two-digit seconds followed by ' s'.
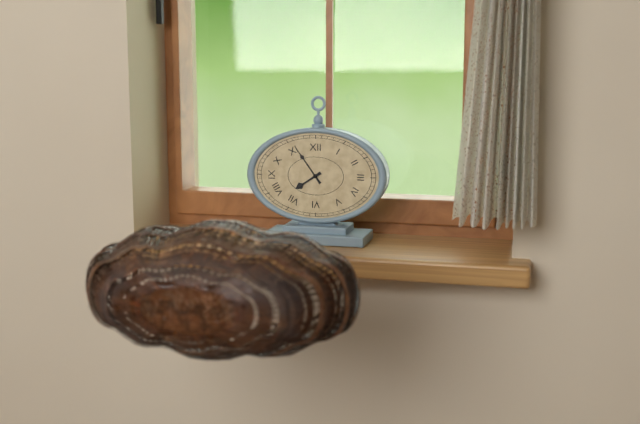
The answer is 7 h 54 min
